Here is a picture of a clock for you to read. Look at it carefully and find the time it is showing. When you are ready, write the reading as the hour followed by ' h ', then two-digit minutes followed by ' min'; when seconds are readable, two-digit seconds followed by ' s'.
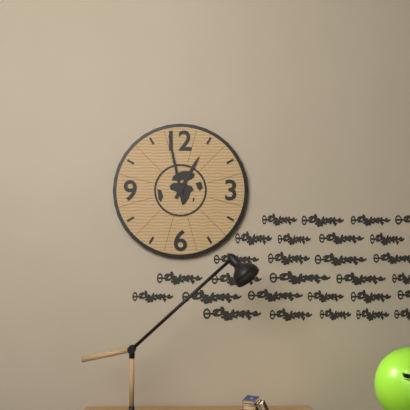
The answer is 12 h 58 min
